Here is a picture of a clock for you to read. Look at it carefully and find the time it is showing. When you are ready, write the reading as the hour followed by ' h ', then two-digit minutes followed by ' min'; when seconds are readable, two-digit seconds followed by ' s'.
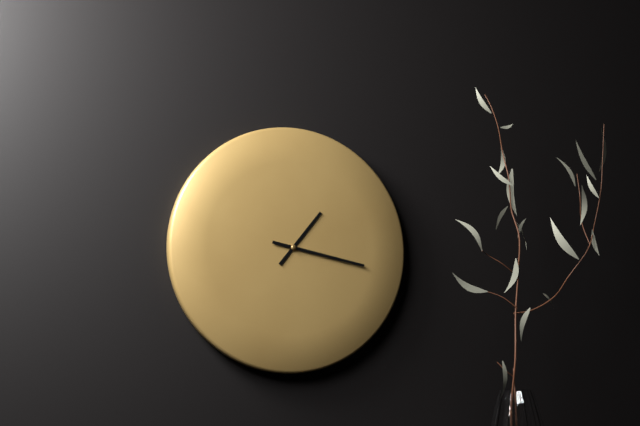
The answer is 1 h 17 min
